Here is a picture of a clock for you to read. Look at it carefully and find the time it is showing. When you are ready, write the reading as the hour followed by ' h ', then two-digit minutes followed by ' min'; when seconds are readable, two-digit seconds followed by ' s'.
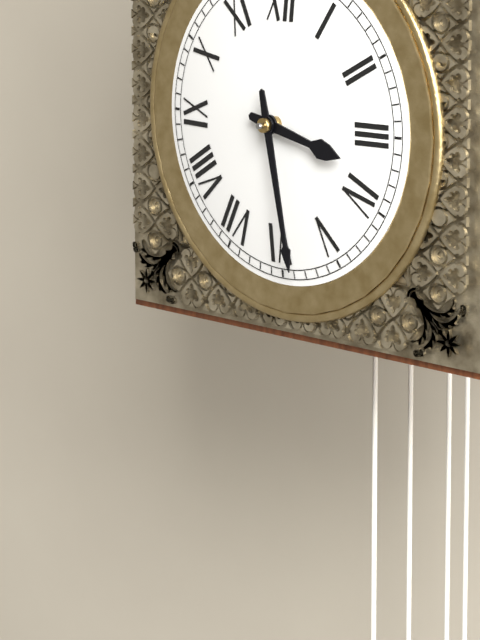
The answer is 3 h 28 min
